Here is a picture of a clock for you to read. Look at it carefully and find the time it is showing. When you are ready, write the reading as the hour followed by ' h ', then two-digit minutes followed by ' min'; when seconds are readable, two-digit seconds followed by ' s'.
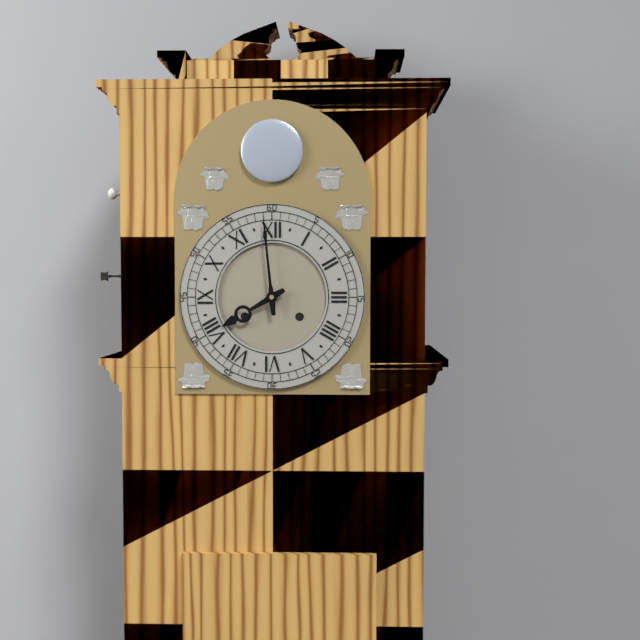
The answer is 7 h 59 min
